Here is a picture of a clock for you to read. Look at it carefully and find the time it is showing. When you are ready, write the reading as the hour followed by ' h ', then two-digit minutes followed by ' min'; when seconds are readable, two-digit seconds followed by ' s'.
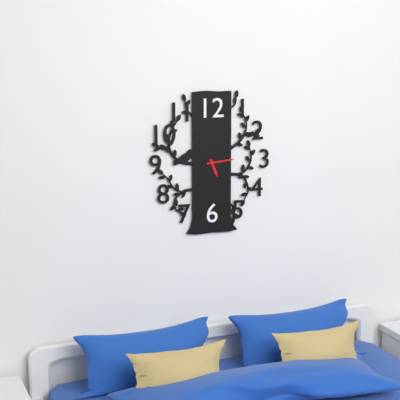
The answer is 5 h 14 min
